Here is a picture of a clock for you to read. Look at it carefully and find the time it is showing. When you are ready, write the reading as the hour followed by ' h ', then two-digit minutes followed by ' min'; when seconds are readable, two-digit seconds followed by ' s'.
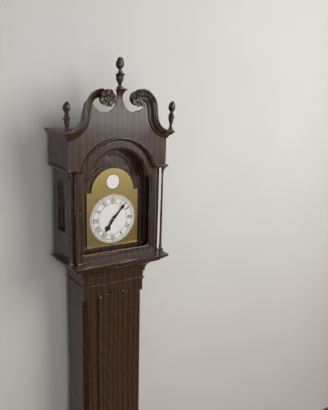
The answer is 7 h 07 min
